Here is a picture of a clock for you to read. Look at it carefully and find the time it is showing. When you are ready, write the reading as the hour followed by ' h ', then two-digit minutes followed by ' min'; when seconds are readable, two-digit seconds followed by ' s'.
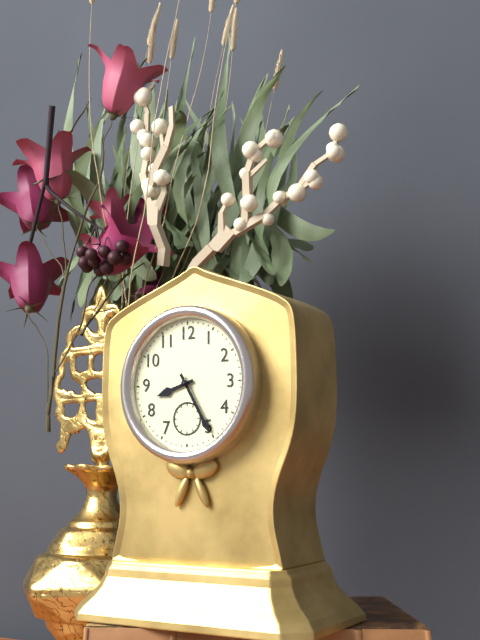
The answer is 8 h 25 min
